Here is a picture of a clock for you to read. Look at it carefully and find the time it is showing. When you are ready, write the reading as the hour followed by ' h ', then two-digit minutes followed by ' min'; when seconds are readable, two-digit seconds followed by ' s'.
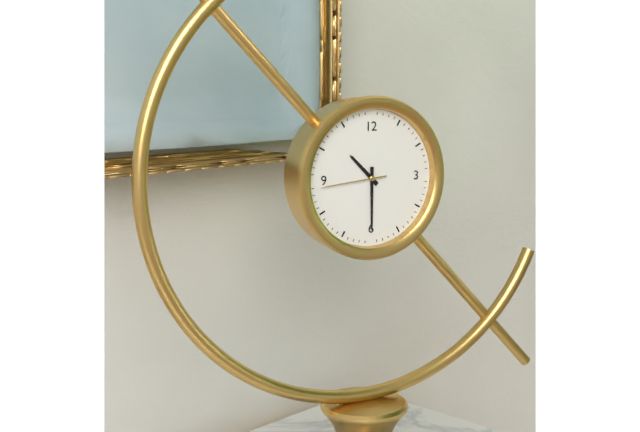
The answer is 10 h 30 min 44 s
